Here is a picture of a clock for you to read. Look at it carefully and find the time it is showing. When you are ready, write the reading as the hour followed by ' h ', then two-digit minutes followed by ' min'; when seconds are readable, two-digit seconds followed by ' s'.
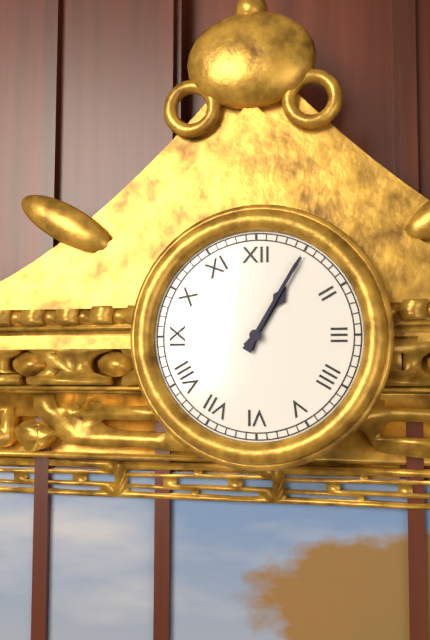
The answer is 1 h 05 min
